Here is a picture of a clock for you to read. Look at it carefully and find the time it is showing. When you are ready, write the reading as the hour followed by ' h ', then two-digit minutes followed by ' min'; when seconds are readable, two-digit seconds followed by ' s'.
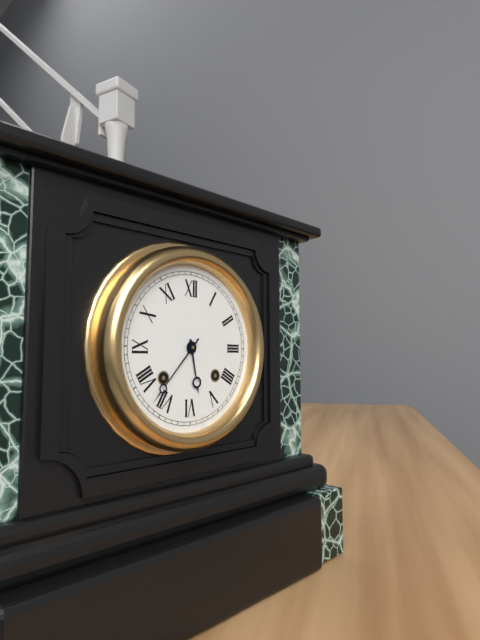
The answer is 5 h 37 min
